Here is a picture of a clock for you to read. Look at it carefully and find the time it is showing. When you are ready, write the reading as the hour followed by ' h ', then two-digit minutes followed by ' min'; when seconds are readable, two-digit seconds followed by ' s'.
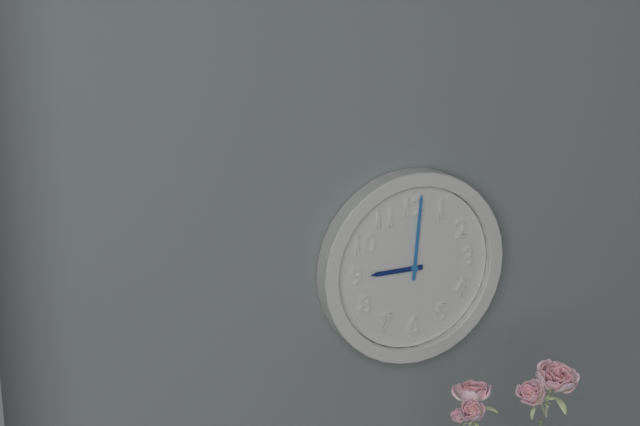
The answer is 9 h 01 min
